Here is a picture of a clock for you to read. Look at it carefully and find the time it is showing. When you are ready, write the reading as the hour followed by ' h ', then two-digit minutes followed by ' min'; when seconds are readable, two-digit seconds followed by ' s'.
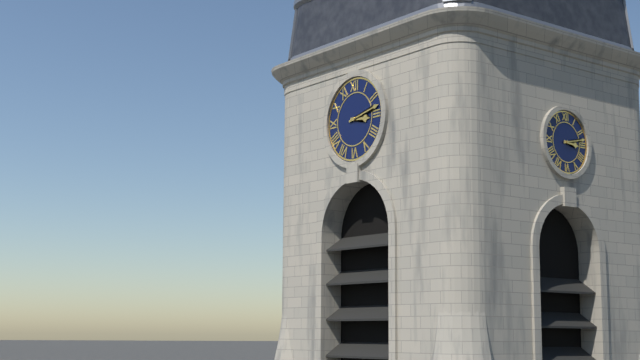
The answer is 3 h 13 min
